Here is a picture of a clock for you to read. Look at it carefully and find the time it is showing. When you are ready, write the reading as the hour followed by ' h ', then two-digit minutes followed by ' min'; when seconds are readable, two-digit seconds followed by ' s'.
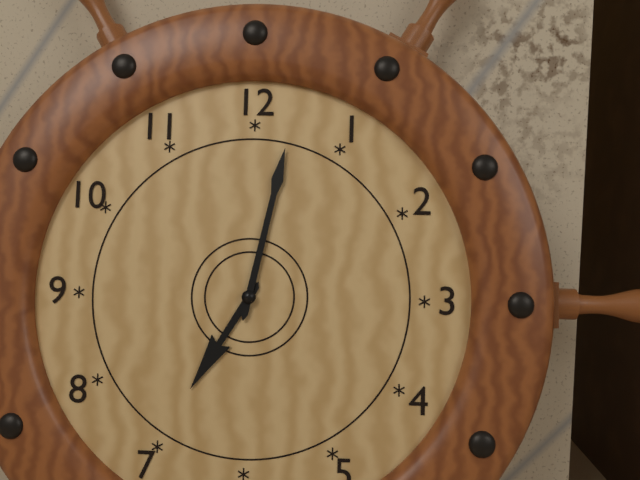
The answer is 7 h 02 min
